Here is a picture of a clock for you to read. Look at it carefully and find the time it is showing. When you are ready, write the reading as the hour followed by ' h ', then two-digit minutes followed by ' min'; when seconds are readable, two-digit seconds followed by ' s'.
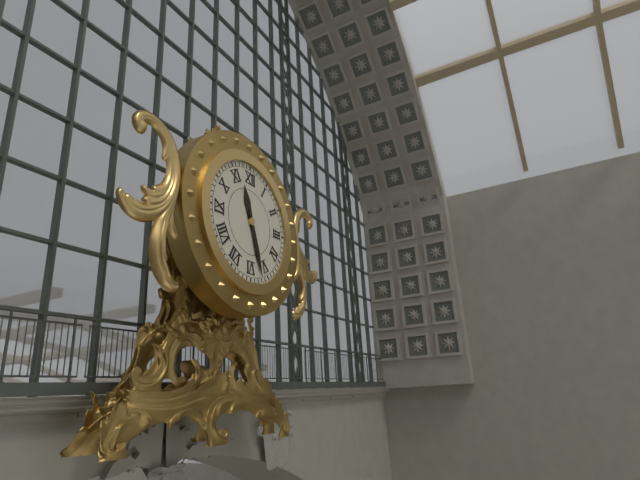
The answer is 11 h 27 min
